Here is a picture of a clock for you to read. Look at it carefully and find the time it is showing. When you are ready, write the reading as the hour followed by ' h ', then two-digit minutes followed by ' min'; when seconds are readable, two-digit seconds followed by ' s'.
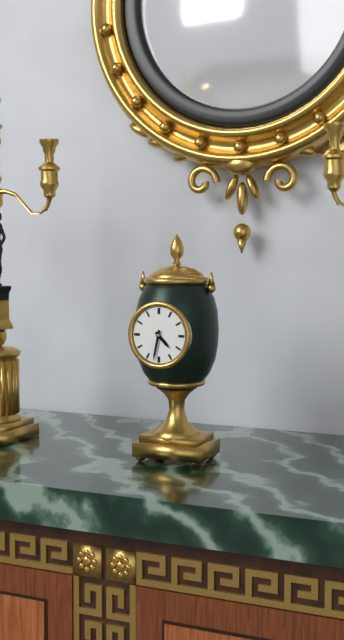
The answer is 4 h 32 min
